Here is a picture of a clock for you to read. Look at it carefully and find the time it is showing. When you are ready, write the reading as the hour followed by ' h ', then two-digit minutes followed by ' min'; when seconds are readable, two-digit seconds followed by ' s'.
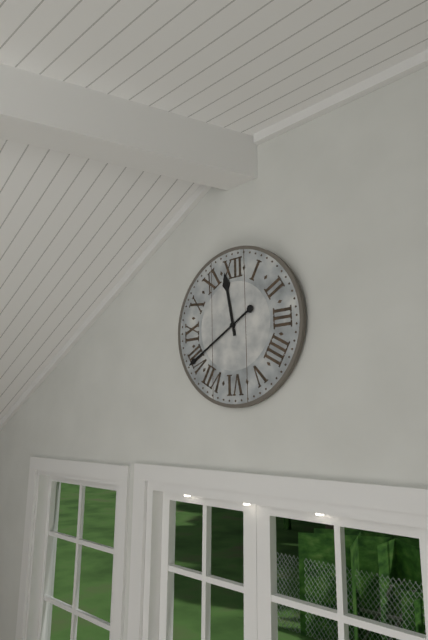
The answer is 11 h 40 min
